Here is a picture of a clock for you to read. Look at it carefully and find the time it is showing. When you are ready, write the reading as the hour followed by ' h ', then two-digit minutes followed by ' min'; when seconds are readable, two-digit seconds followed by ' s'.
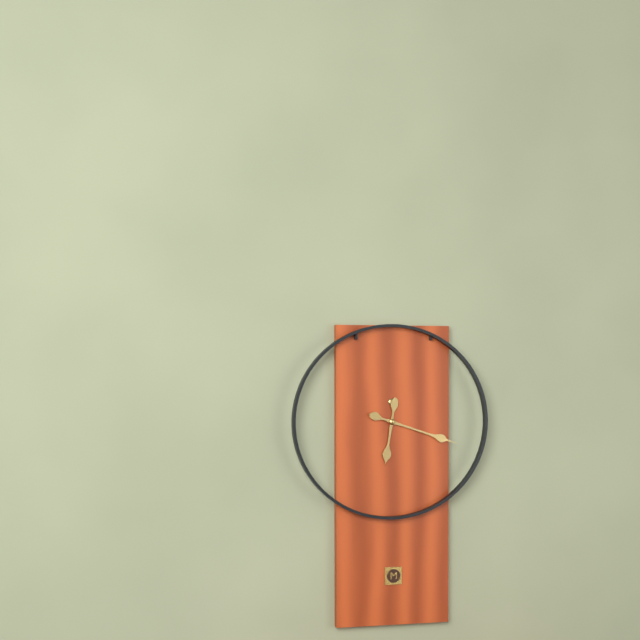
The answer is 6 h 18 min
